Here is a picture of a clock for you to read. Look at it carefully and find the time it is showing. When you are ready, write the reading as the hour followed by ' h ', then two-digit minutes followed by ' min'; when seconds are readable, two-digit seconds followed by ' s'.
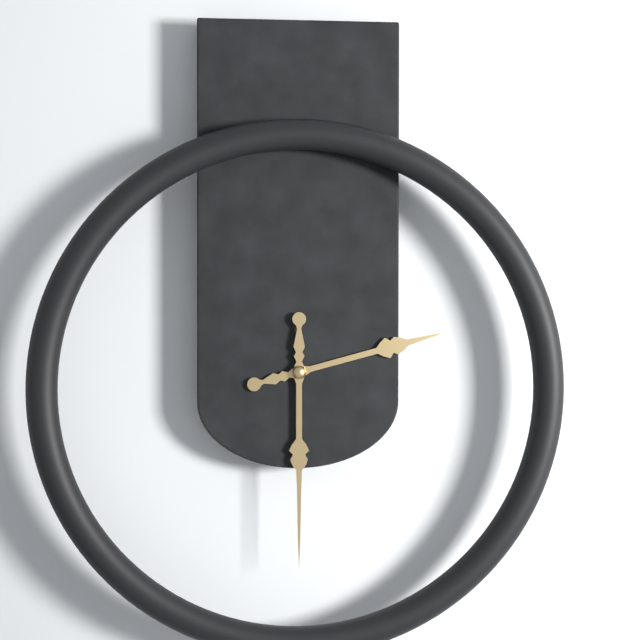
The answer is 2 h 30 min
